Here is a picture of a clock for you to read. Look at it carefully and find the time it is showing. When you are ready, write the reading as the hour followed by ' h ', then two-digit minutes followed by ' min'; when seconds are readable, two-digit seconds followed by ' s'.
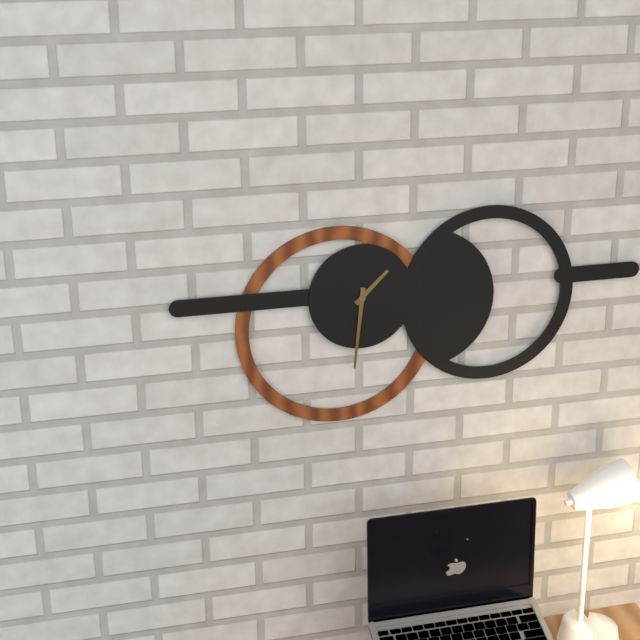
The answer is 1 h 31 min
